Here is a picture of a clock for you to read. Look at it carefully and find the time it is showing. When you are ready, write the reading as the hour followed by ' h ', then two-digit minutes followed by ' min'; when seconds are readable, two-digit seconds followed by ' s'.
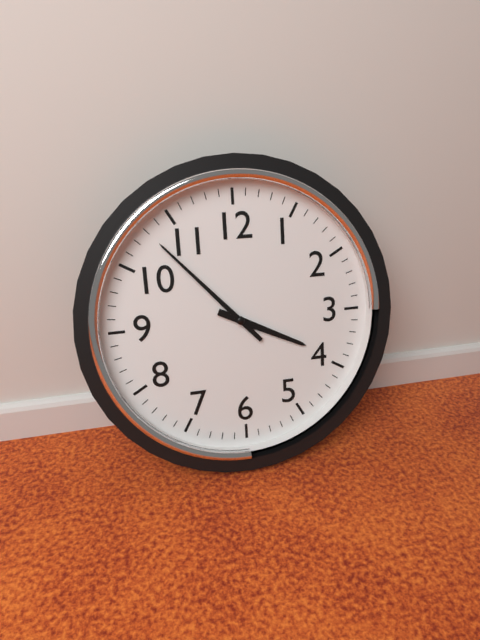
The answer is 3 h 53 min
